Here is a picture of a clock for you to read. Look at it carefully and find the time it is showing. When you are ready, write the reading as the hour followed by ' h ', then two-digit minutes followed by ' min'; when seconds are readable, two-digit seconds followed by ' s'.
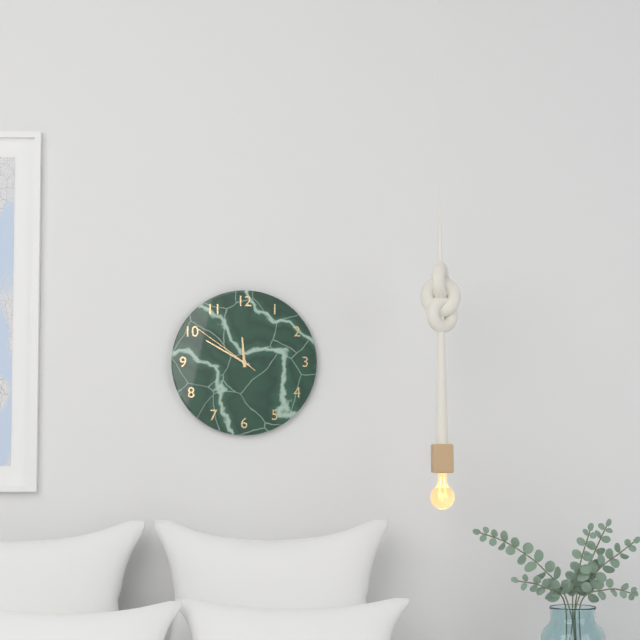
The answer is 11 h 50 min 51 s
